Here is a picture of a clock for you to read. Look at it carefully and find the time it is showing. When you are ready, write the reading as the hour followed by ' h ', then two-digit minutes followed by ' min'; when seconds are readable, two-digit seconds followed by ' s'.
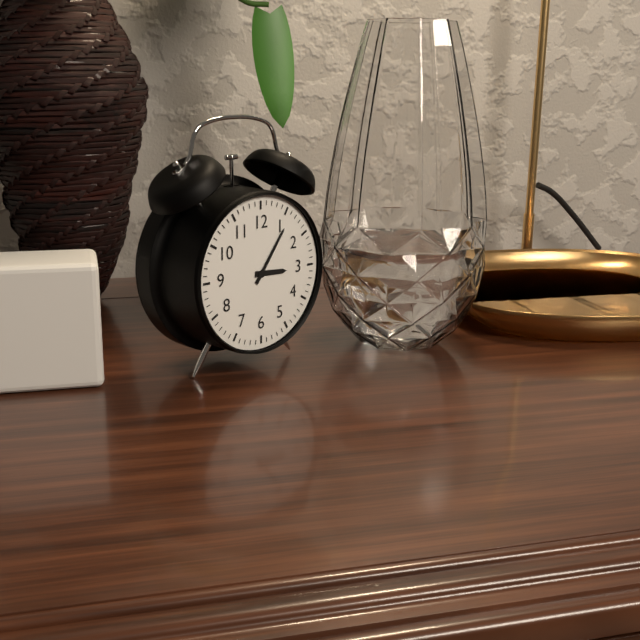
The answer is 3 h 06 min
